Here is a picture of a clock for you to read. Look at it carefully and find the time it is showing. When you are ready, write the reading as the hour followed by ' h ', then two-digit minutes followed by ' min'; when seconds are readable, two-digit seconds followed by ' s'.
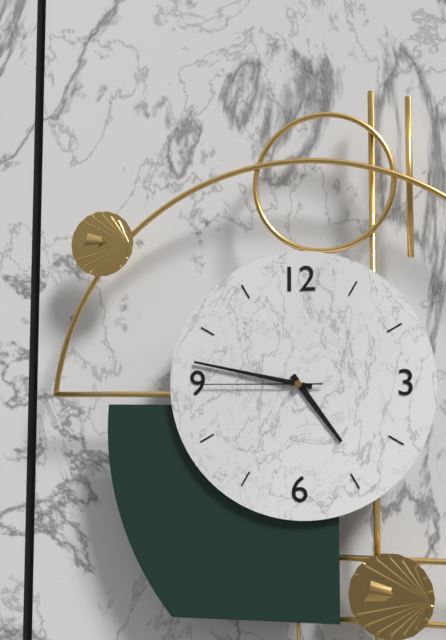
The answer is 4 h 47 min 45 s
